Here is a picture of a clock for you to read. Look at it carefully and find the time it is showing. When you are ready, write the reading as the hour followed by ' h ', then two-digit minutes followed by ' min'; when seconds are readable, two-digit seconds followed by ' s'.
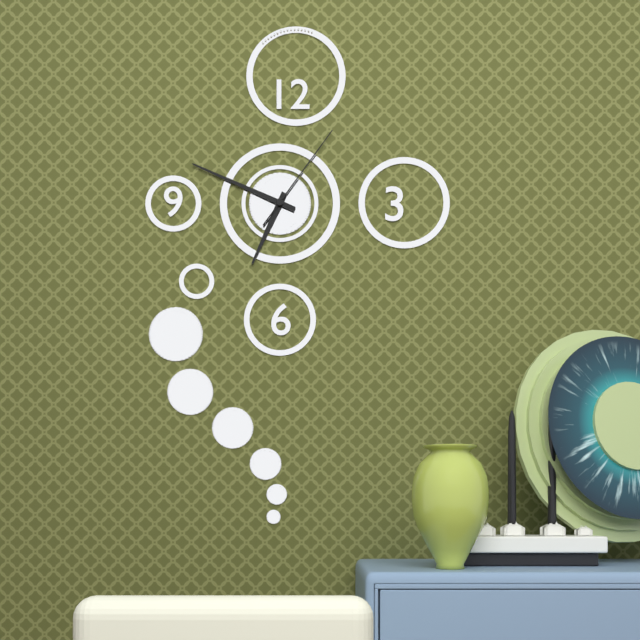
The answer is 6 h 49 min 06 s
